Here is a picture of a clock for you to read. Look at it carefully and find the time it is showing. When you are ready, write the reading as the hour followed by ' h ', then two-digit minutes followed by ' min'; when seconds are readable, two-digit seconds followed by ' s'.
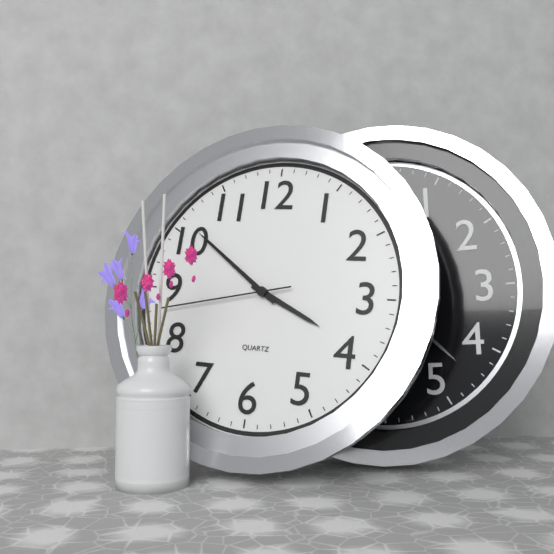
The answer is 3 h 51 min 43 s
